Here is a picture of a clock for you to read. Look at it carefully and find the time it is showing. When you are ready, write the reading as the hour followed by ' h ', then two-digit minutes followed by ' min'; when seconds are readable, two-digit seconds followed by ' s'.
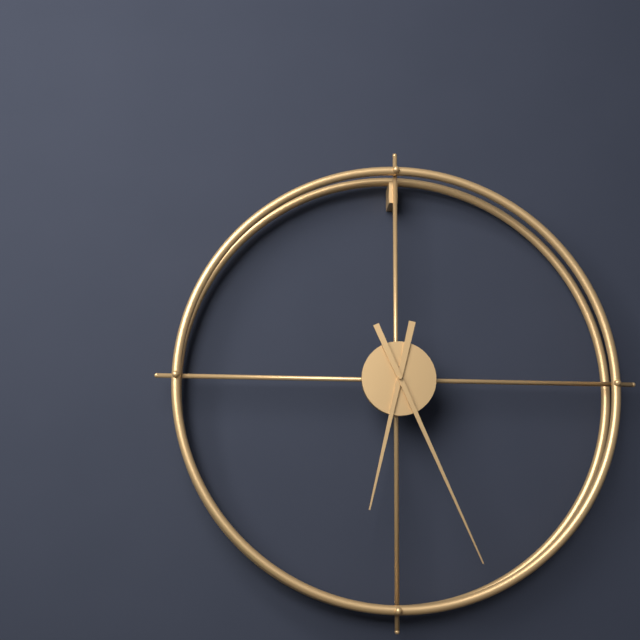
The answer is 6 h 26 min
